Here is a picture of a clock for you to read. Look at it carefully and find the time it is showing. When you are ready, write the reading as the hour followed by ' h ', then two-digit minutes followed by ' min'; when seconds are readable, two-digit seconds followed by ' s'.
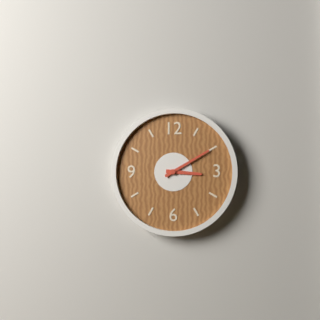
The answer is 3 h 10 min
